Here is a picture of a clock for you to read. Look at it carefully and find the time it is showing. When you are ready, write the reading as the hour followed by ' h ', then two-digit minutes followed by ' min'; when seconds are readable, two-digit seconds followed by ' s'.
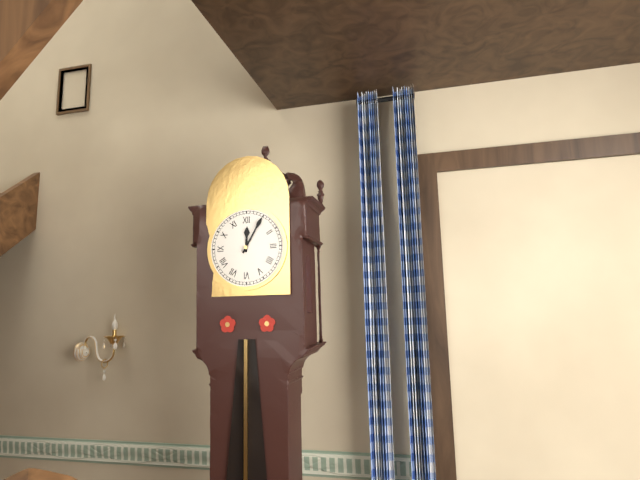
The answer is 12 h 05 min
